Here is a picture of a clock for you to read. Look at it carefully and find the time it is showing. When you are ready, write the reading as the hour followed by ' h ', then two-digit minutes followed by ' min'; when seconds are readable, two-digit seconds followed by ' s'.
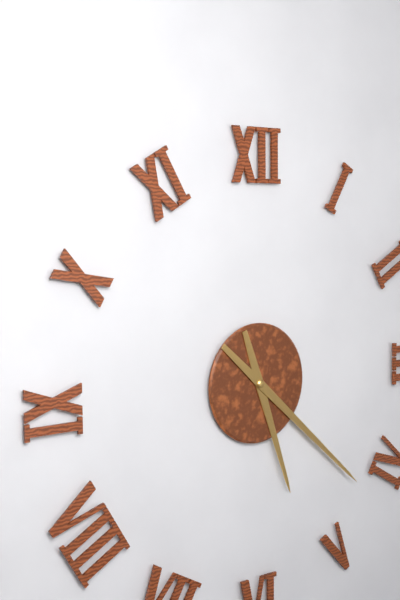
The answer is 5 h 22 min
